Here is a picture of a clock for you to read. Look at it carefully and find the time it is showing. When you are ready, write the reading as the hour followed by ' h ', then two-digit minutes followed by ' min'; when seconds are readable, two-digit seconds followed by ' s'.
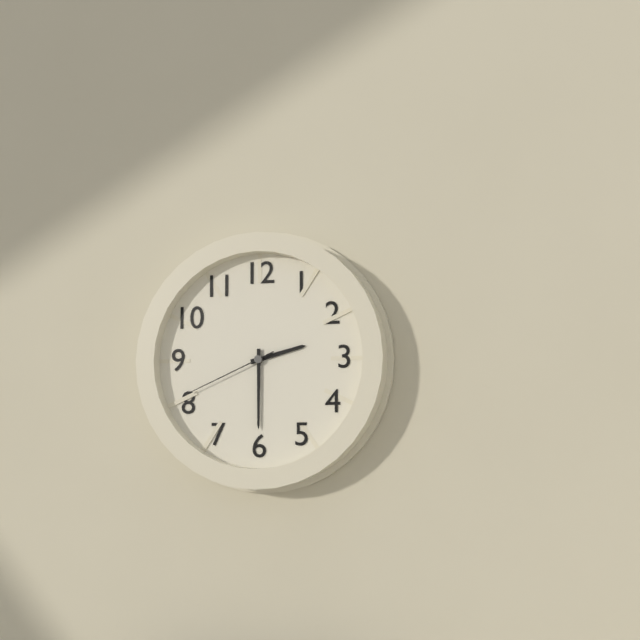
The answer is 2 h 30 min 41 s
